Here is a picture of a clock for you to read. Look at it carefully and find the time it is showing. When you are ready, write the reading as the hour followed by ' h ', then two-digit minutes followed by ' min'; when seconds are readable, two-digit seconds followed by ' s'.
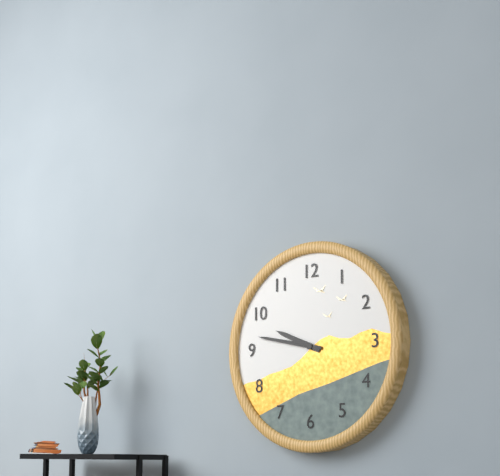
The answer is 9 h 47 min
